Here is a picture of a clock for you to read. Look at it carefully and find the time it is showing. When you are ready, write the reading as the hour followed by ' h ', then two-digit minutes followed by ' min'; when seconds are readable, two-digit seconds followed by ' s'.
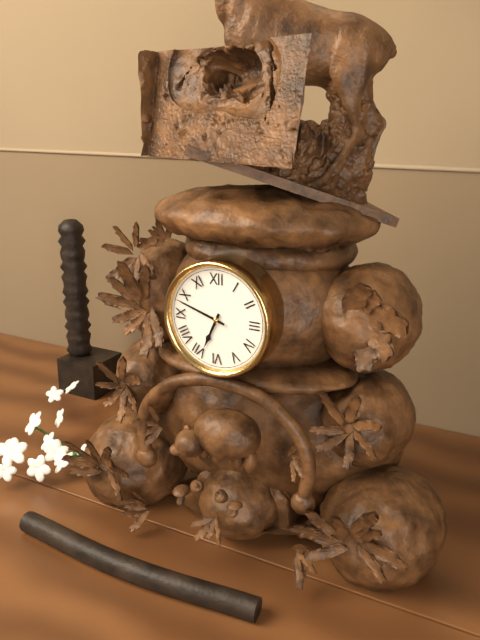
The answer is 6 h 48 min
